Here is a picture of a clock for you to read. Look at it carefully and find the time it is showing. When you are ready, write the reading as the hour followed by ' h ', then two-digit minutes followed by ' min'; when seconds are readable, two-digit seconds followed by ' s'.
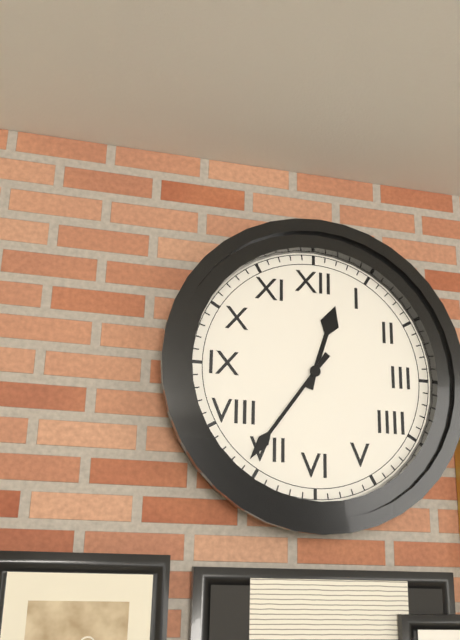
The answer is 12 h 36 min
